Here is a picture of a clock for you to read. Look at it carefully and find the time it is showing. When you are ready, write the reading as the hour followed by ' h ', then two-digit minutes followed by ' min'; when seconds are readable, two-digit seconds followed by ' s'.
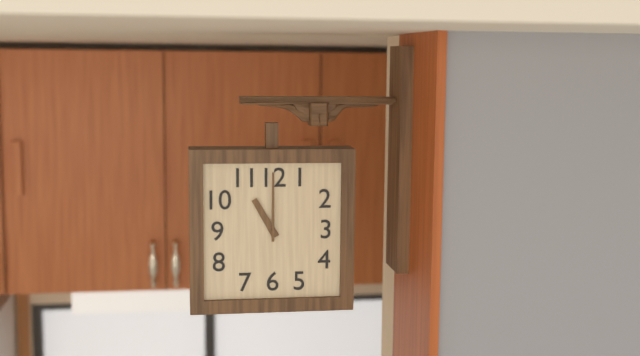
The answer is 11 h 00 min
